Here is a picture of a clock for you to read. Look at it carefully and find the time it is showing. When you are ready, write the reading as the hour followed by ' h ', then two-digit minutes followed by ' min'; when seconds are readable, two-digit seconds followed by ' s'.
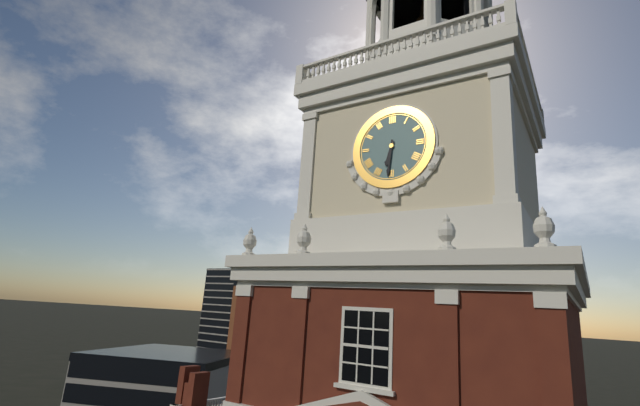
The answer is 6 h 31 min
